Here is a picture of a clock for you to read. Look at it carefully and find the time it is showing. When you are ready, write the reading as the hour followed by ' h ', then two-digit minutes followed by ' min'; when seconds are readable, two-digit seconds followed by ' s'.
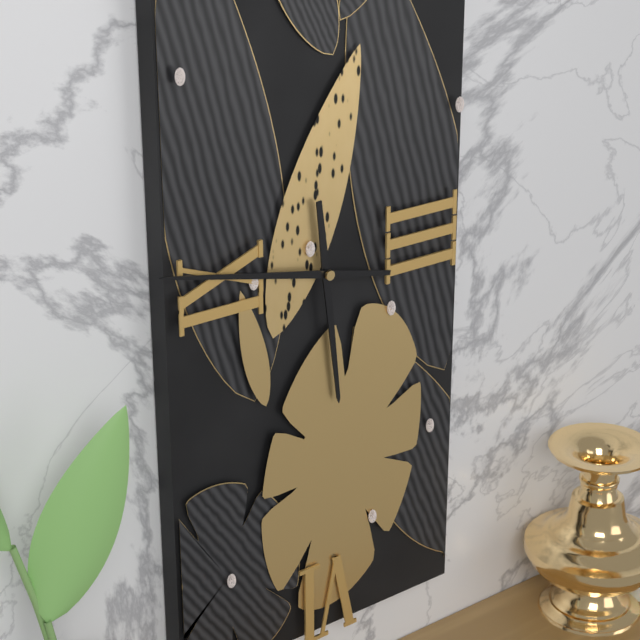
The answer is 5 h 47 min
